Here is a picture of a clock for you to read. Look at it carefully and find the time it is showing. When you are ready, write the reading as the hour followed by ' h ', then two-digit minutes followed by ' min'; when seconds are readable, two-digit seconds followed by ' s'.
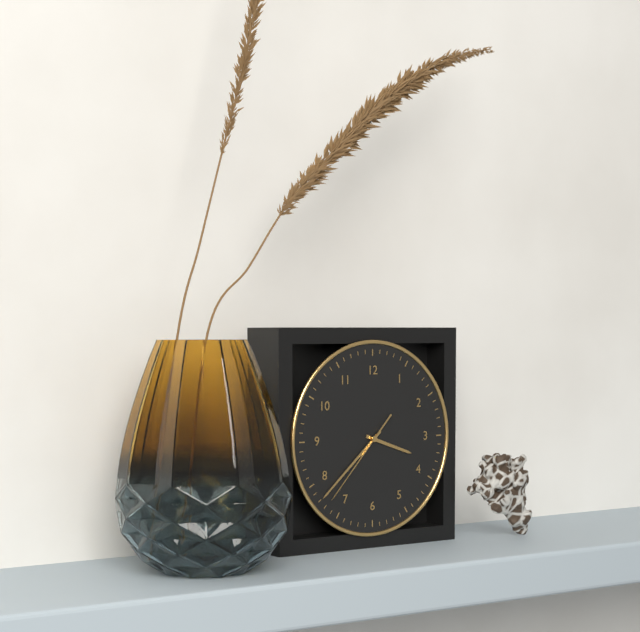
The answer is 3 h 38 min 37 s
